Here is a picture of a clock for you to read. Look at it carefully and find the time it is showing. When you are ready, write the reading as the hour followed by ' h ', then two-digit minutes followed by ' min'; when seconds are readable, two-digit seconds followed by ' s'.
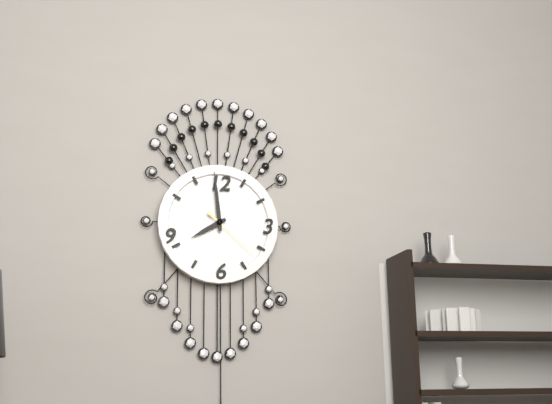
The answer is 7 h 59 min 22 s
